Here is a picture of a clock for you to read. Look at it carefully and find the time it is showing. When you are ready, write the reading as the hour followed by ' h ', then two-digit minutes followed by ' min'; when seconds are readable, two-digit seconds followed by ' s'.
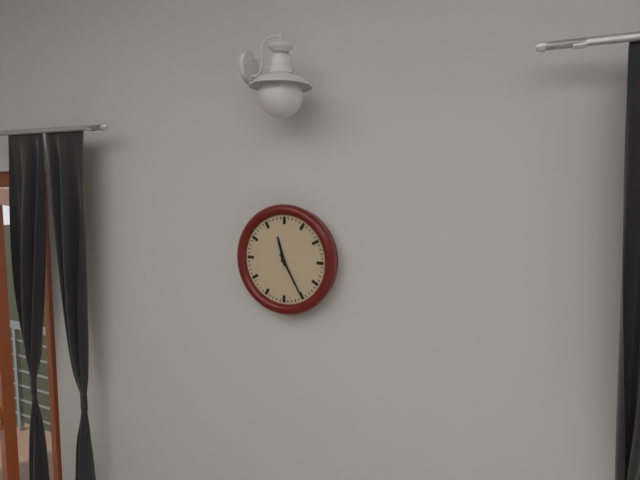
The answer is 11 h 25 min
